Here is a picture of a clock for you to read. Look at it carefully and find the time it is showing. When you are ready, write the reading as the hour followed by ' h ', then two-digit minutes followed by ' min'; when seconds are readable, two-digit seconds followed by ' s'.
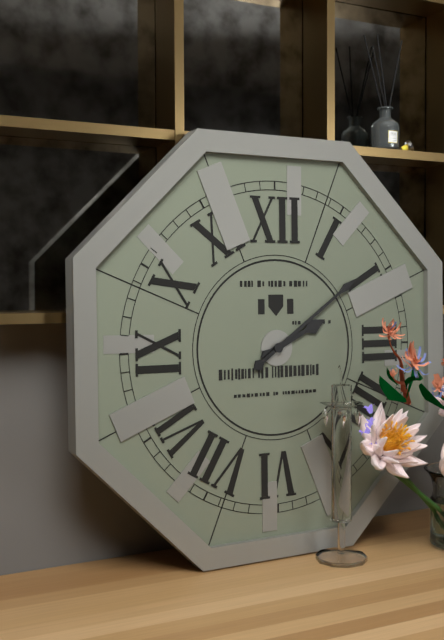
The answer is 2 h 09 min
